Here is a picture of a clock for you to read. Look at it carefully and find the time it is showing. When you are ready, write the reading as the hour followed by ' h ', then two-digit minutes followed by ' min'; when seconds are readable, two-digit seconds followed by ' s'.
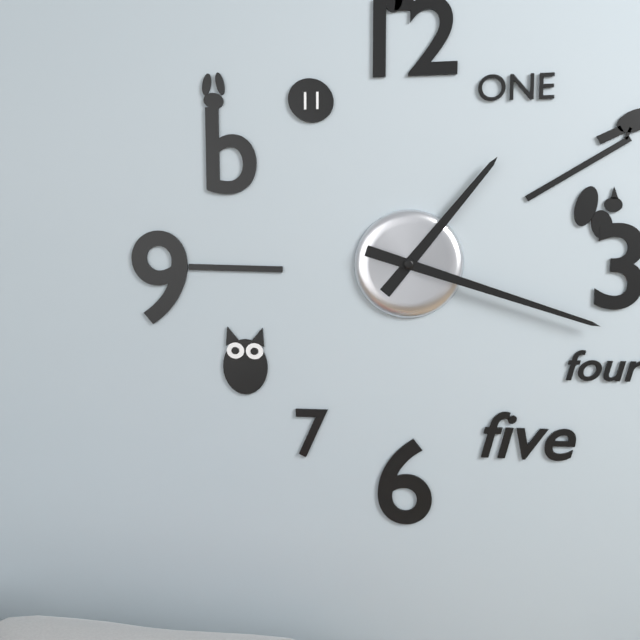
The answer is 1 h 18 min
